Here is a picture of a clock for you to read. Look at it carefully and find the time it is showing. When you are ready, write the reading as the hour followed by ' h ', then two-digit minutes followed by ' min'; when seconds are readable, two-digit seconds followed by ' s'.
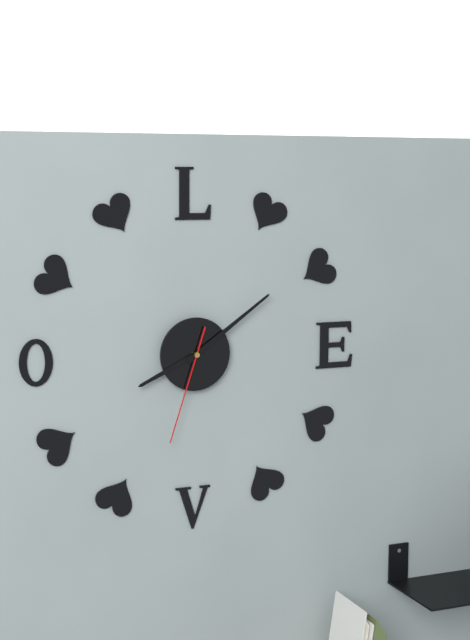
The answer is 8 h 09 min 33 s
